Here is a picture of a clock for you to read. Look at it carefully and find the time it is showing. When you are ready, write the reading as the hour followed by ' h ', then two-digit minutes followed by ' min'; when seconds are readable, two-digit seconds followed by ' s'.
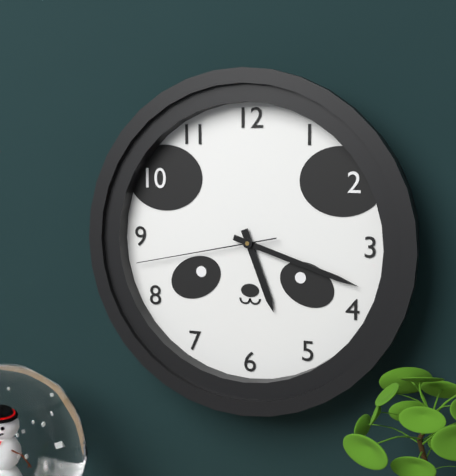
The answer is 5 h 18 min 43 s
